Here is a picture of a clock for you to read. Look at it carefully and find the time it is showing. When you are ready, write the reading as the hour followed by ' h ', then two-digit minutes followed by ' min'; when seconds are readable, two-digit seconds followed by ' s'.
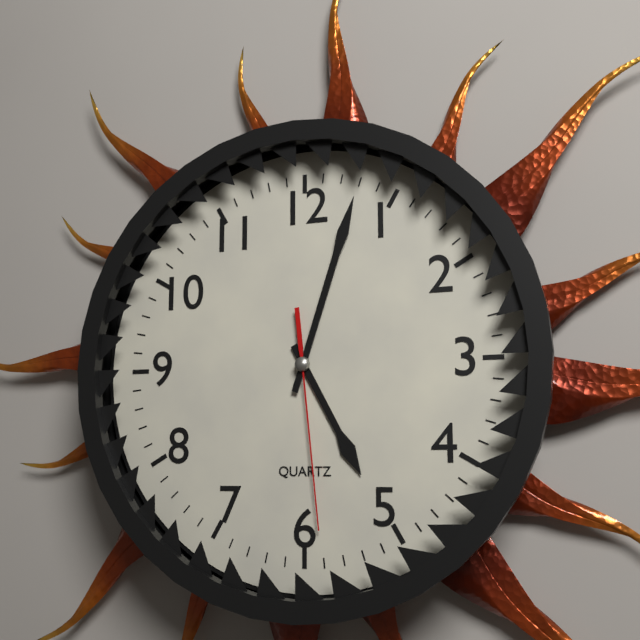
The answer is 5 h 03 min 29 s
